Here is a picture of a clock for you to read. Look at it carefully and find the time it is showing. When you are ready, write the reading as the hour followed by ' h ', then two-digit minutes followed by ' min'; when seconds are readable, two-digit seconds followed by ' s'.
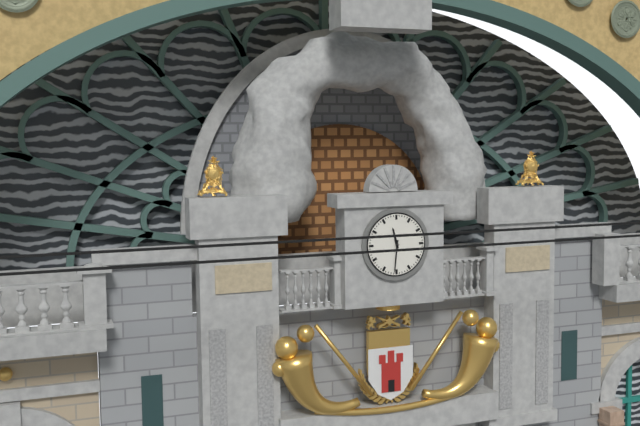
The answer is 11 h 31 min
